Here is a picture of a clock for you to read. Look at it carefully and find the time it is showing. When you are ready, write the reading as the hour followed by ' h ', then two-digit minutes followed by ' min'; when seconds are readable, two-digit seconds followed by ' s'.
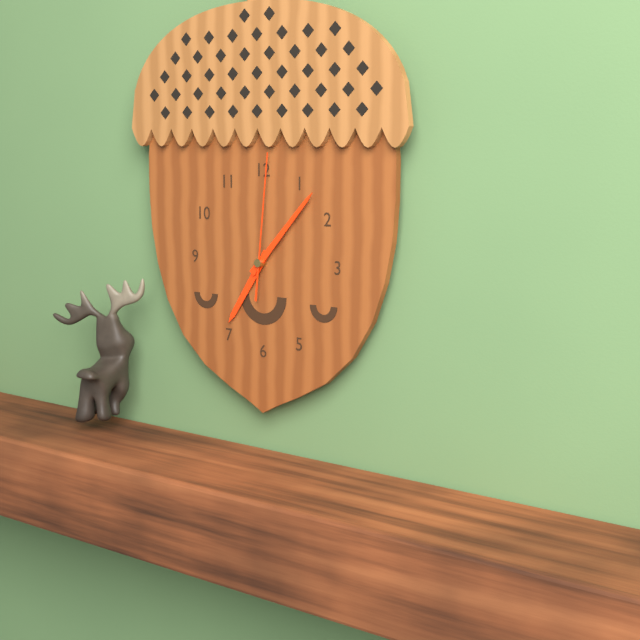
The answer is 7 h 07 min 01 s
